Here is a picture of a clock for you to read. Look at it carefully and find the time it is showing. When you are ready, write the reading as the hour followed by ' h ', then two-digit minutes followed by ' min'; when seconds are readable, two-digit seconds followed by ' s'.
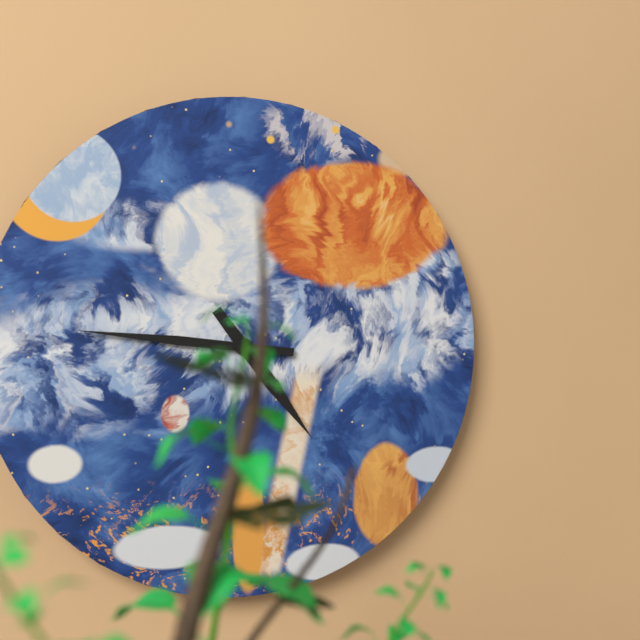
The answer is 4 h 46 min
